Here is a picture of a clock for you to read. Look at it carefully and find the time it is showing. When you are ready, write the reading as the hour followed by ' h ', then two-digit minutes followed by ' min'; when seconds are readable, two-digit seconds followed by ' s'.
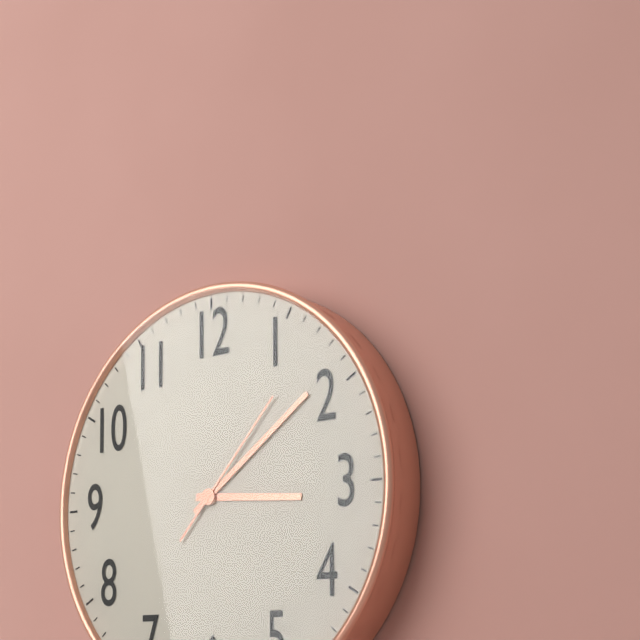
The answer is 3 h 09 min 07 s
